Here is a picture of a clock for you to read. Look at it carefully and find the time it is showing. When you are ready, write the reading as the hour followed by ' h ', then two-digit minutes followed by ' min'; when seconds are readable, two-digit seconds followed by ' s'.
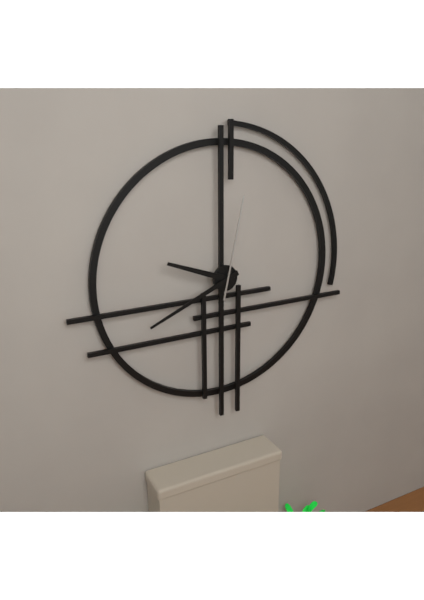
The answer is 9 h 41 min 02 s
